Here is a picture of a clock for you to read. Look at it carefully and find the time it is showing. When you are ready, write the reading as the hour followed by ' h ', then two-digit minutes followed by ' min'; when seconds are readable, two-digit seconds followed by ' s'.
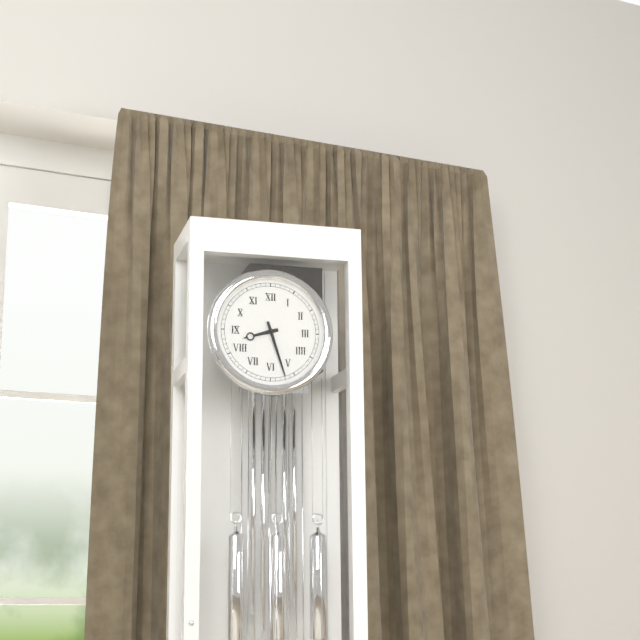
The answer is 8 h 27 min
